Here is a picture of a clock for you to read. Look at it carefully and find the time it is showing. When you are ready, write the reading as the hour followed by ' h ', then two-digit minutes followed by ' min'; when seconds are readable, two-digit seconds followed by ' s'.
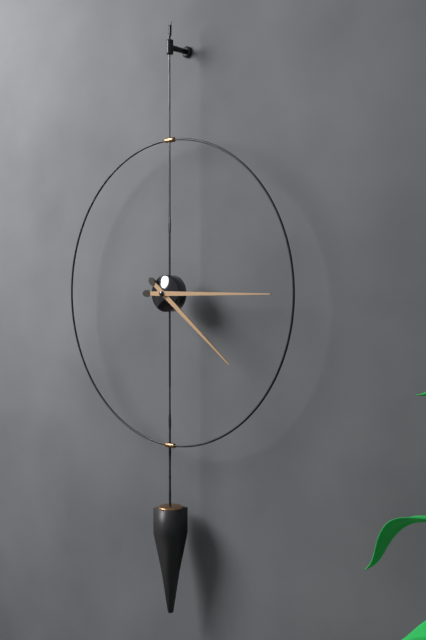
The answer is 4 h 15 min
